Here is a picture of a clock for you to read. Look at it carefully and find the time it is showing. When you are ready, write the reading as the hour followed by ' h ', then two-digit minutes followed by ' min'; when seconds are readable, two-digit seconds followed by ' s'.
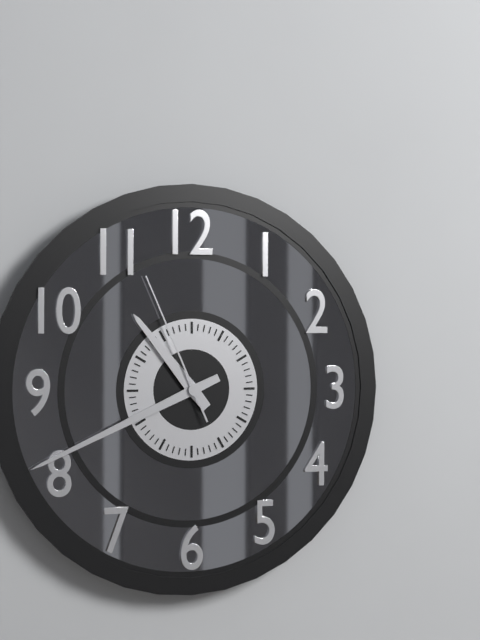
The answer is 10 h 41 min 56 s
